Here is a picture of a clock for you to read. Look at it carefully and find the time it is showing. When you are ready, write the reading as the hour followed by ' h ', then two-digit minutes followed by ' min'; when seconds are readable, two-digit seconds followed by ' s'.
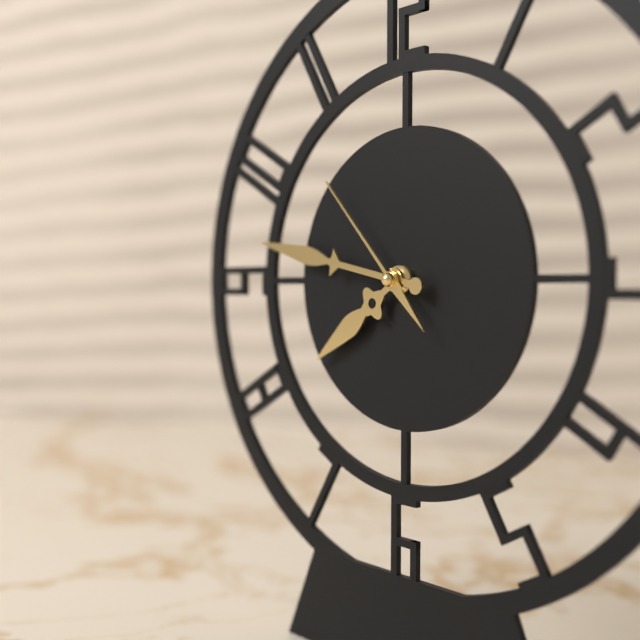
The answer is 7 h 47 min 53 s
